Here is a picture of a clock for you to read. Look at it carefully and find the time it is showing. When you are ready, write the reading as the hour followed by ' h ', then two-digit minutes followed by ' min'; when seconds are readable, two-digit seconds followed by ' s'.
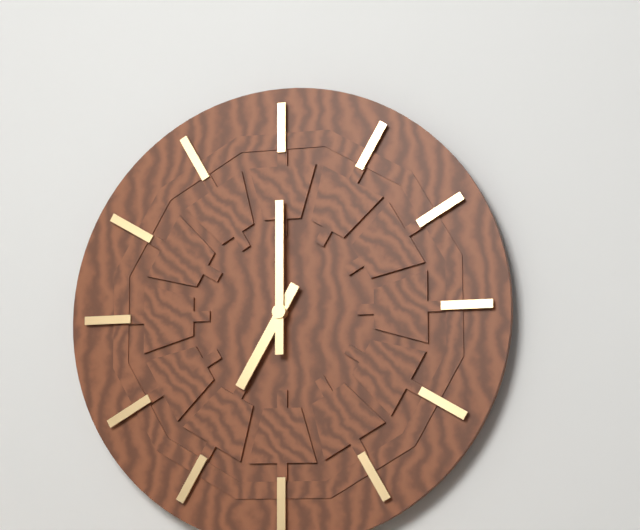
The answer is 7 h 00 min
